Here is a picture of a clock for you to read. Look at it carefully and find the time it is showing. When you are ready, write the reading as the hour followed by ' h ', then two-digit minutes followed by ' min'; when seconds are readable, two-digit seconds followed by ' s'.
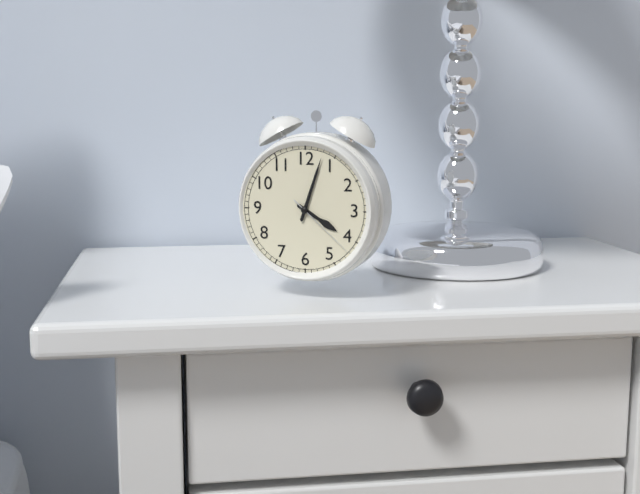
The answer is 4 h 03 min 22 s
